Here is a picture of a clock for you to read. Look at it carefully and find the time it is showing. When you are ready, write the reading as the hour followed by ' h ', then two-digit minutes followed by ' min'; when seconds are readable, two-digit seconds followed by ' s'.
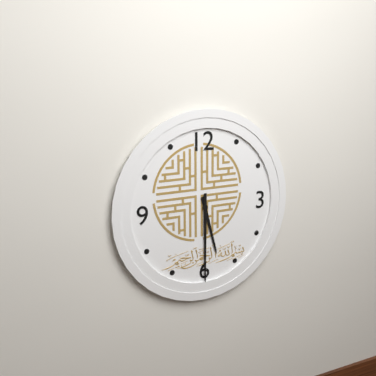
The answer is 5 h 30 min
